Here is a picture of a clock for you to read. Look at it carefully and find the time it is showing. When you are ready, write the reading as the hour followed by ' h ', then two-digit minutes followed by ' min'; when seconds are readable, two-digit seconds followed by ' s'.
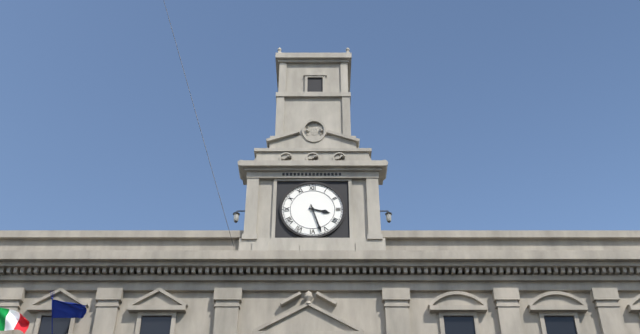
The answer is 3 h 27 min
